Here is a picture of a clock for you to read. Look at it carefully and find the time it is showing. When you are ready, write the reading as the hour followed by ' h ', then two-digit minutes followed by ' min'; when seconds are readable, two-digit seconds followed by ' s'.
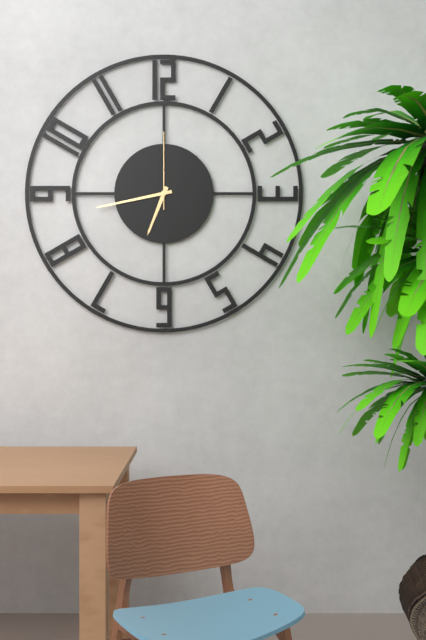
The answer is 6 h 43 min 00 s
